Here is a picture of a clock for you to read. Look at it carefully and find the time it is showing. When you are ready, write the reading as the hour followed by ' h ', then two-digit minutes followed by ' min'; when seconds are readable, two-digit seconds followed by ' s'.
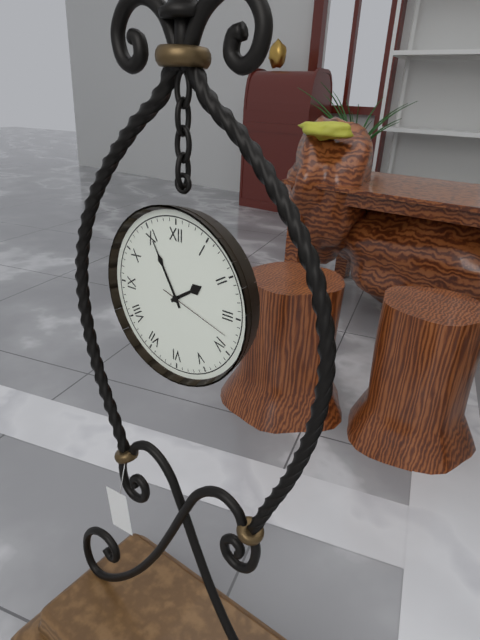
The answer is 1 h 55 min 18 s
